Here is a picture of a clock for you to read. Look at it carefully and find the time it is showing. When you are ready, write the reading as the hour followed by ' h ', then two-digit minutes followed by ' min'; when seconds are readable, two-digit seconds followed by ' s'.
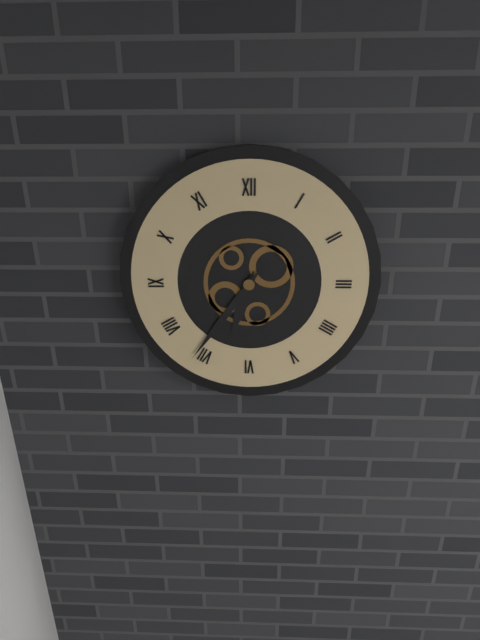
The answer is 6 h 36 min
